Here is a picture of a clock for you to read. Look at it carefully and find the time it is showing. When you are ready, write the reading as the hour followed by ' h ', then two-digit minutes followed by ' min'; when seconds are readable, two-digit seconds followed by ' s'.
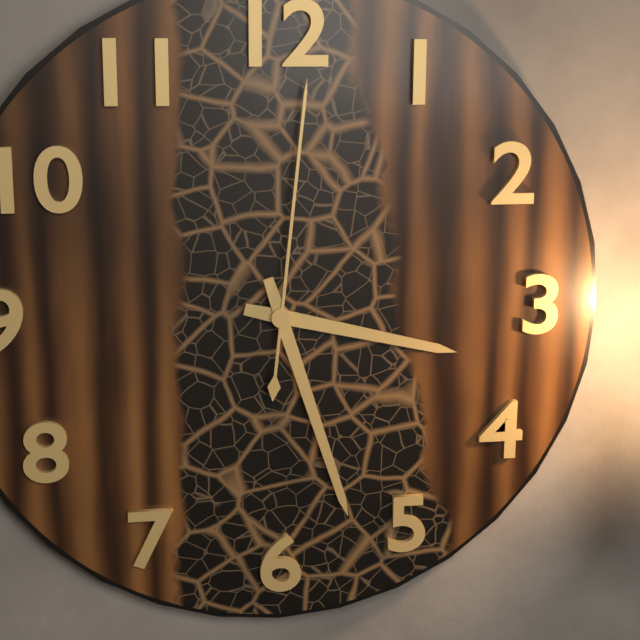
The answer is 3 h 27 min 01 s
